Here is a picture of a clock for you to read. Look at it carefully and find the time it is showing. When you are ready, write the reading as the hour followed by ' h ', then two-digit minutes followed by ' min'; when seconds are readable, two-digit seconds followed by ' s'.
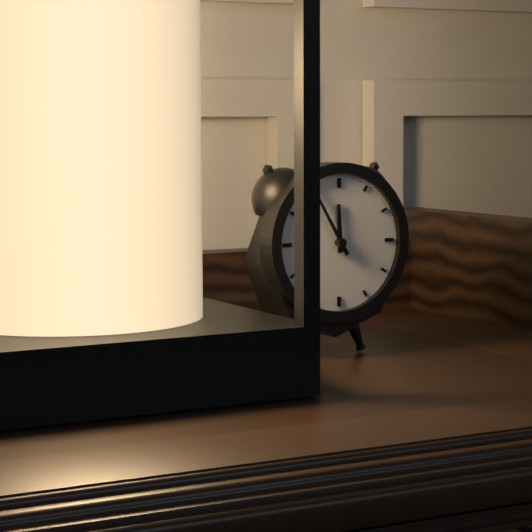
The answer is 11 h 55 min
